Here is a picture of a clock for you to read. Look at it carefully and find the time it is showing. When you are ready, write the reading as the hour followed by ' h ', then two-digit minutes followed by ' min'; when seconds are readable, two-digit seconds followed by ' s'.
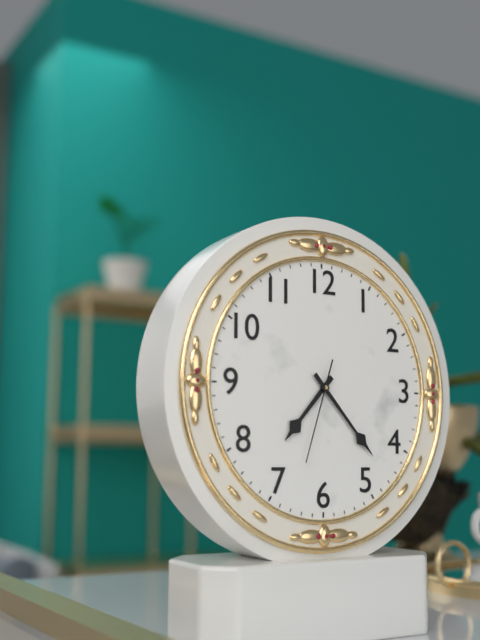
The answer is 7 h 23 min 33 s
